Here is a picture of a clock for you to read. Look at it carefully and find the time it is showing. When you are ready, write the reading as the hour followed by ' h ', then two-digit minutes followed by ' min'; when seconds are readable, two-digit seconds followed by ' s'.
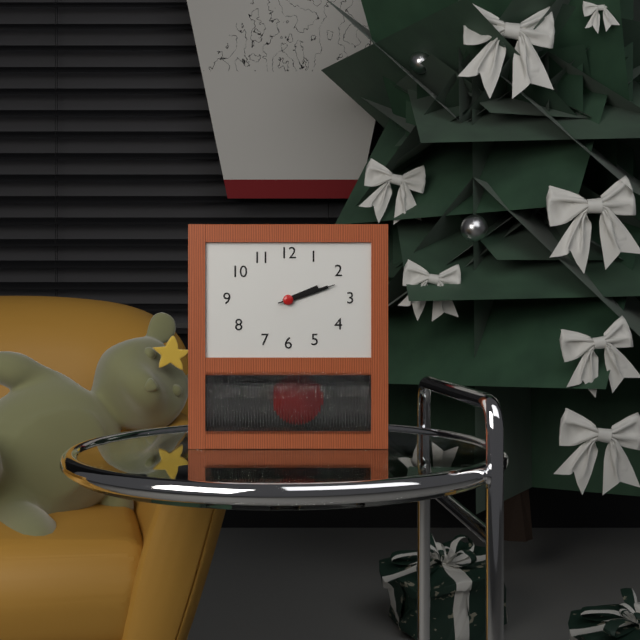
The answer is 2 h 12 min 12 s
